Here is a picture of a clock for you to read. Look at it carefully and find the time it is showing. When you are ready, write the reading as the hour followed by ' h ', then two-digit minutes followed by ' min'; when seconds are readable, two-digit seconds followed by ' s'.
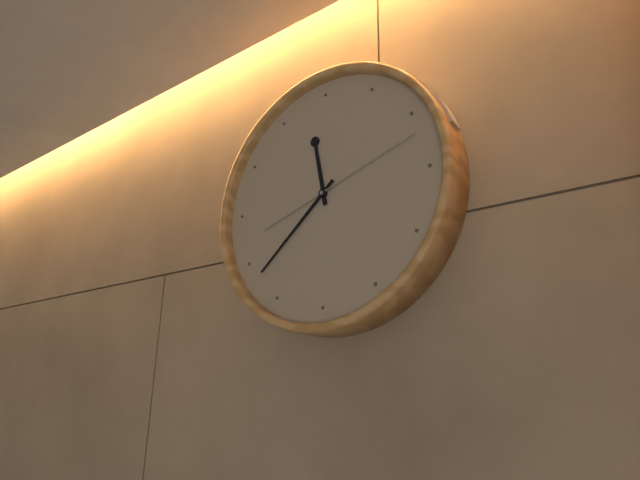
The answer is 11 h 38 min 12 s
